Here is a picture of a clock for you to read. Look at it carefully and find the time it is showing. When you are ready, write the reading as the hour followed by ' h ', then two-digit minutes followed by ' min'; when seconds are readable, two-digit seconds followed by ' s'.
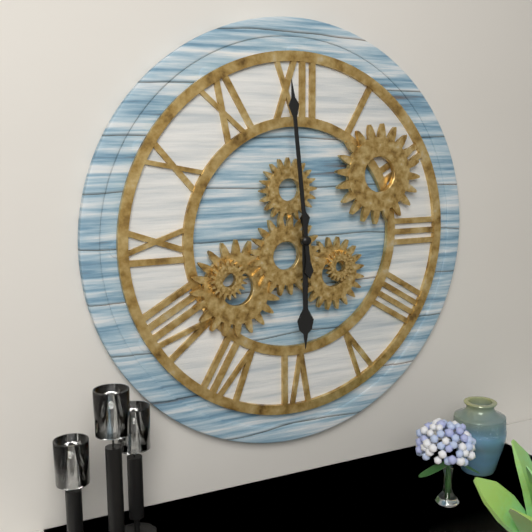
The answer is 5 h 59 min
